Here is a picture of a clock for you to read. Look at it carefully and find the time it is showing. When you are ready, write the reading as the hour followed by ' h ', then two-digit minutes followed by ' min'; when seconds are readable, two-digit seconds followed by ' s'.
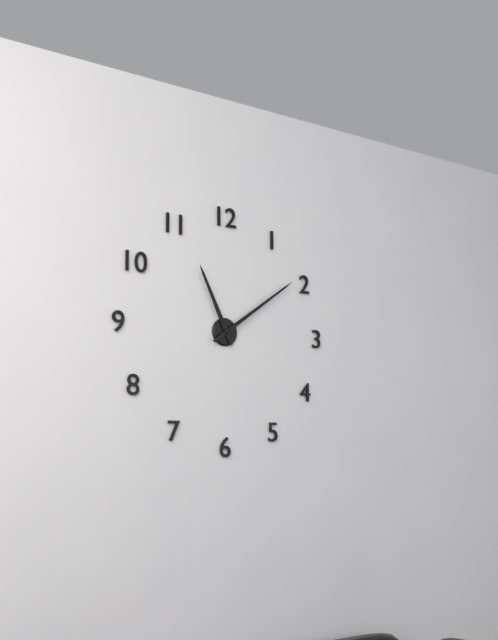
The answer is 11 h 09 min
